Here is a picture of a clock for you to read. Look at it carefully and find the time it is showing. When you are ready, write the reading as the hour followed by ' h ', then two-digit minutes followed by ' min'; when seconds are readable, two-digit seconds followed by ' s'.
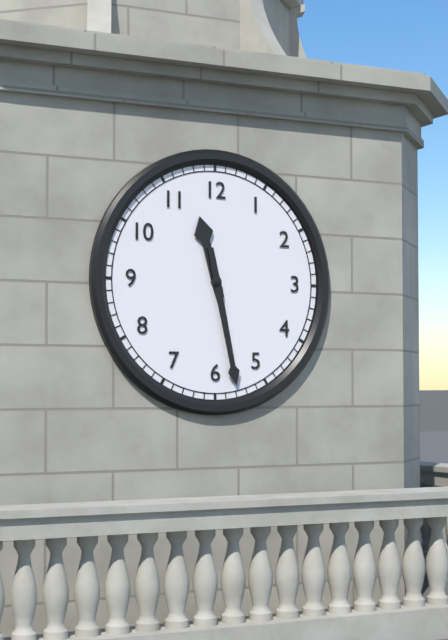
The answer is 11 h 28 min
